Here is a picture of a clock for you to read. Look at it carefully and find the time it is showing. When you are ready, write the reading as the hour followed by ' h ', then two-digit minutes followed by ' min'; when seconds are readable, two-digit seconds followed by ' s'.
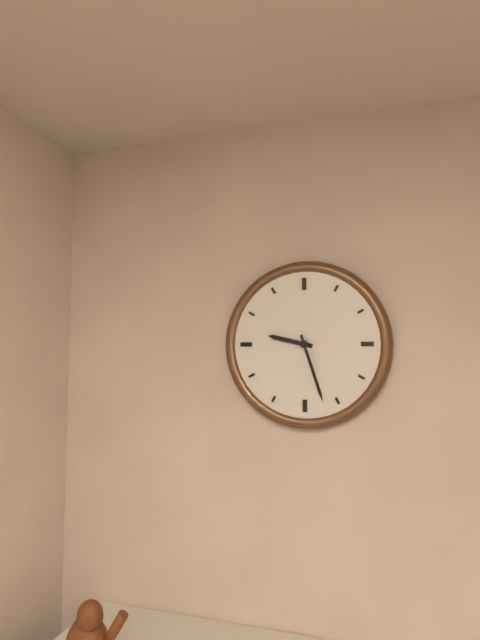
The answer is 9 h 27 min
